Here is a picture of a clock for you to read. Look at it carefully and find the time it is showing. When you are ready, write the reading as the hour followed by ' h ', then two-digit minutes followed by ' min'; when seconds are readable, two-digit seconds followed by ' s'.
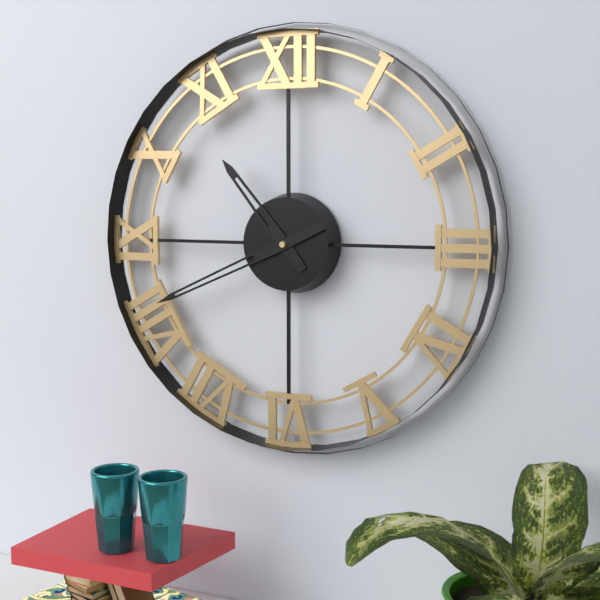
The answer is 10 h 41 min
